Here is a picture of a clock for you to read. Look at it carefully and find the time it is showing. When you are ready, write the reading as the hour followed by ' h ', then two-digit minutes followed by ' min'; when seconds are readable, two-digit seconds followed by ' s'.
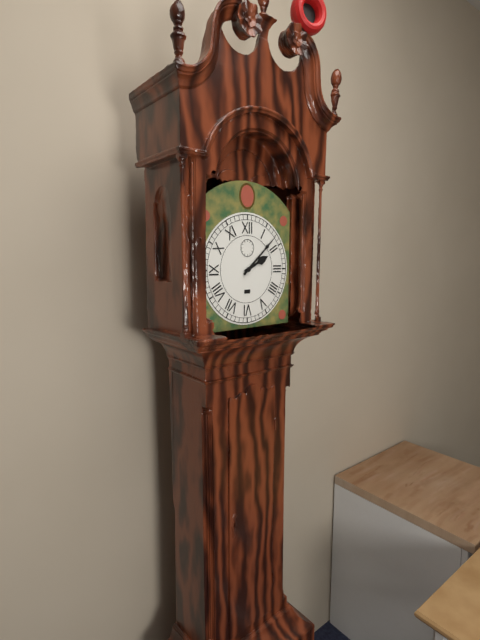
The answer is 2 h 08 min
